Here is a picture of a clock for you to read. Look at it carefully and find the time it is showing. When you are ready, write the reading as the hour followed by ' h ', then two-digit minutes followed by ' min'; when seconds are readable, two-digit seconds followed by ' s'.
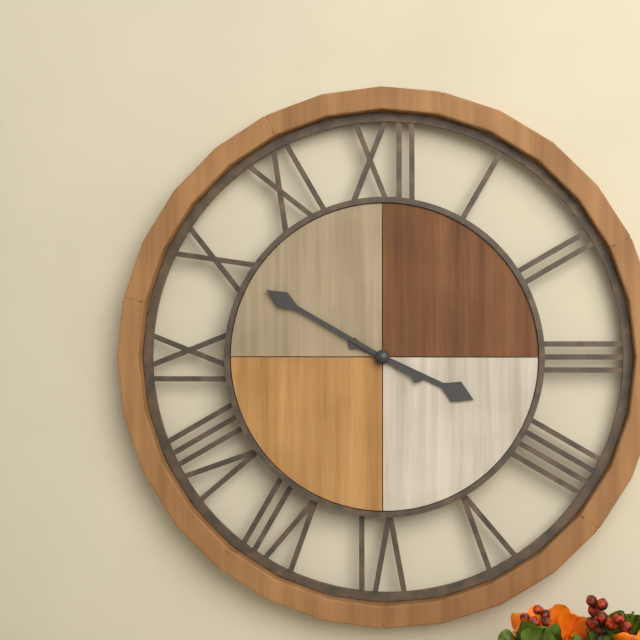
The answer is 3 h 50 min
